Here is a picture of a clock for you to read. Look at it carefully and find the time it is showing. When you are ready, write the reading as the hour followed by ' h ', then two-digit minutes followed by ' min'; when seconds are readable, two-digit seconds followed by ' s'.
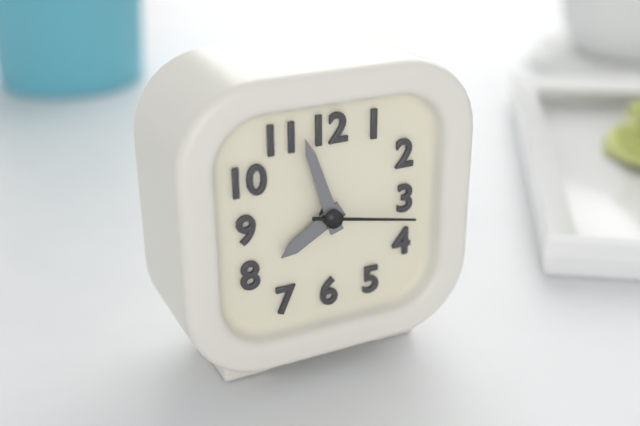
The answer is 7 h 57 min 17 s
